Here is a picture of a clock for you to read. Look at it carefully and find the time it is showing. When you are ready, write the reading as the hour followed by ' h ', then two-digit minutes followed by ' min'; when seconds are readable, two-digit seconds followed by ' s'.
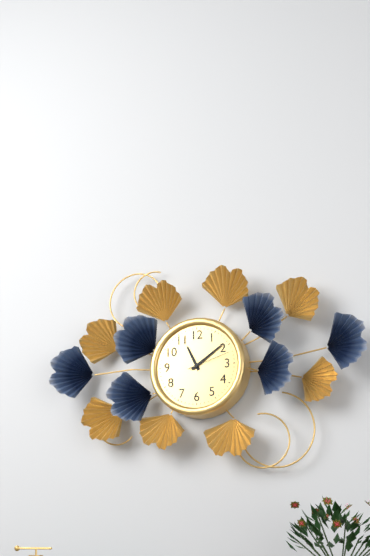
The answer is 11 h 09 min
